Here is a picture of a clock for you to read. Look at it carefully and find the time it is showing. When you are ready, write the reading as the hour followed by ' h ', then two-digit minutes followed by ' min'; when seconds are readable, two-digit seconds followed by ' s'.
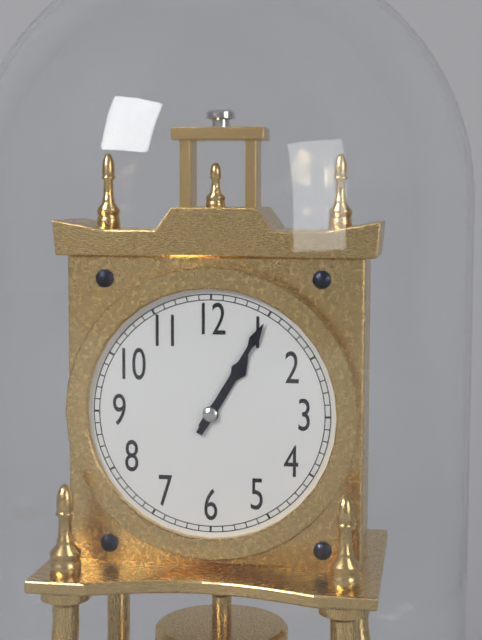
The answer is 1 h 05 min
